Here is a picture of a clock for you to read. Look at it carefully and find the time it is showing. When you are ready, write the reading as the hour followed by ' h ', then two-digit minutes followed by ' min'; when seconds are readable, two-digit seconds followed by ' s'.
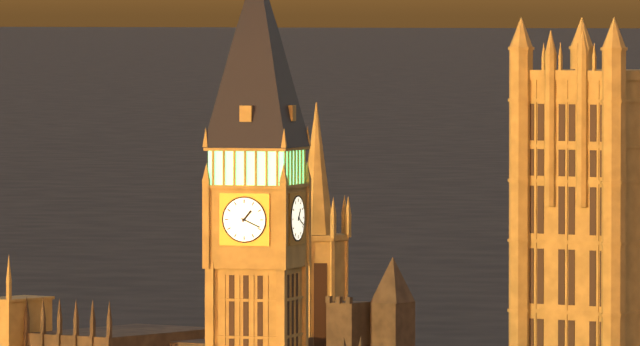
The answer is 1 h 19 min
